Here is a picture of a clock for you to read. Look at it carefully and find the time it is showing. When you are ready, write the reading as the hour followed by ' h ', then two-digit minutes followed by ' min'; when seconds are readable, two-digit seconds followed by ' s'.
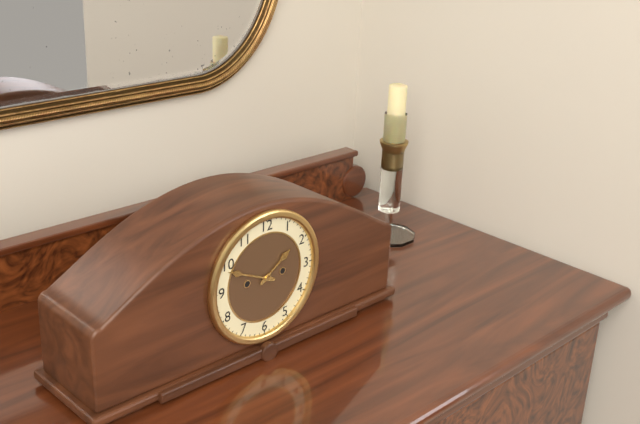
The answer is 1 h 49 min
